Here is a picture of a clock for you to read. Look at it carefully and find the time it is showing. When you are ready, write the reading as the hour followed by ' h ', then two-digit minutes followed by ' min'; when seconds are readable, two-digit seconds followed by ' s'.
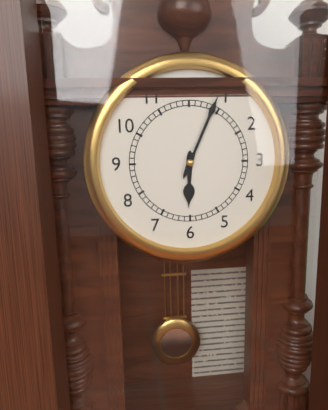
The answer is 6 h 04 min
